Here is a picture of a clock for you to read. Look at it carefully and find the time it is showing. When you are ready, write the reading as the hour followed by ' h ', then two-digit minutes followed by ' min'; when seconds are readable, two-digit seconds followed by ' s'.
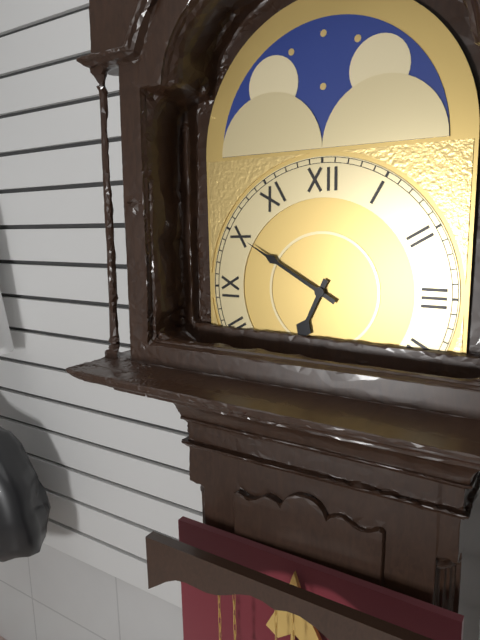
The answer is 6 h 50 min
